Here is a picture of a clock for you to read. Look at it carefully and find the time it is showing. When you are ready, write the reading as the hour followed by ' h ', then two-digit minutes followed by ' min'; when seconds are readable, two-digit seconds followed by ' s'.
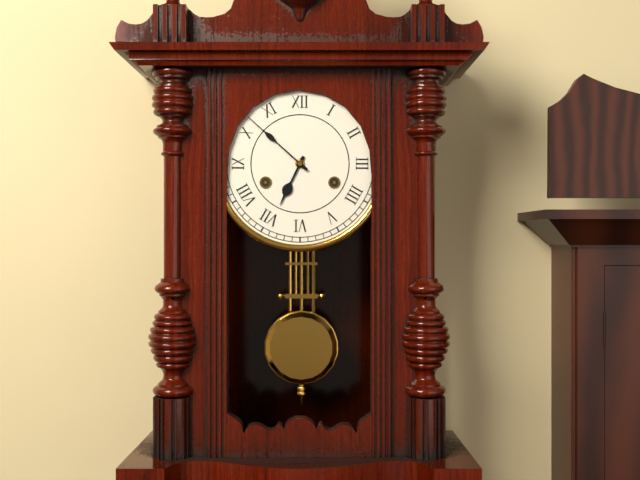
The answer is 6 h 52 min
